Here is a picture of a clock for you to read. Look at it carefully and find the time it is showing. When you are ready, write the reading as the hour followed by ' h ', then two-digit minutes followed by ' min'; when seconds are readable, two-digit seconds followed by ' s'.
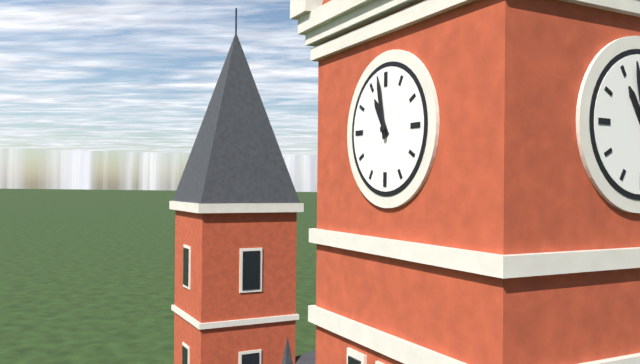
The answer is 10 h 58 min
